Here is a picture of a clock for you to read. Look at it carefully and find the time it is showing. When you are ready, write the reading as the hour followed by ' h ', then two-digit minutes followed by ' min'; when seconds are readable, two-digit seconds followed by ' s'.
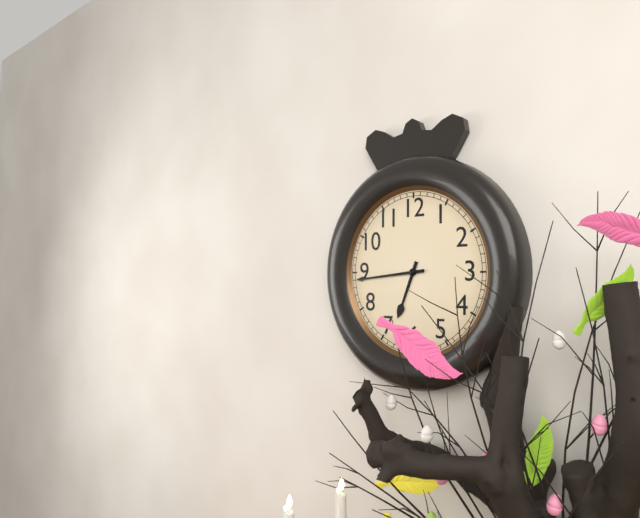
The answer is 6 h 44 min
